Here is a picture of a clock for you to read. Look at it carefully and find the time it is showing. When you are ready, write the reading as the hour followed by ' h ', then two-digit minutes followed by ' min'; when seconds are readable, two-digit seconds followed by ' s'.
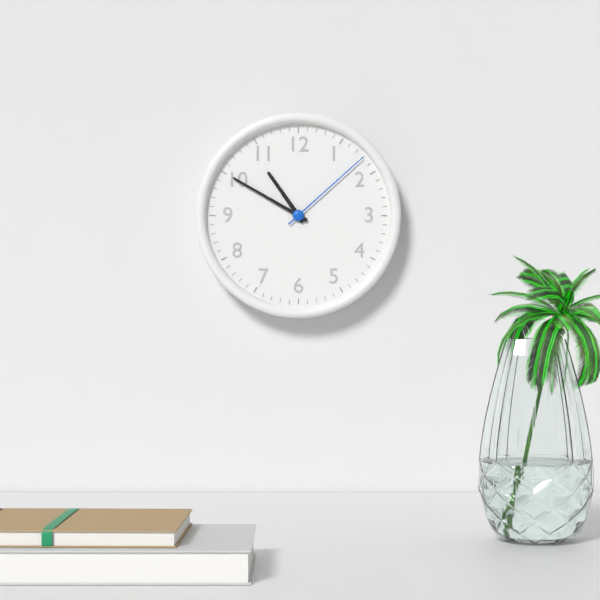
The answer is 10 h 50 min 08 s
